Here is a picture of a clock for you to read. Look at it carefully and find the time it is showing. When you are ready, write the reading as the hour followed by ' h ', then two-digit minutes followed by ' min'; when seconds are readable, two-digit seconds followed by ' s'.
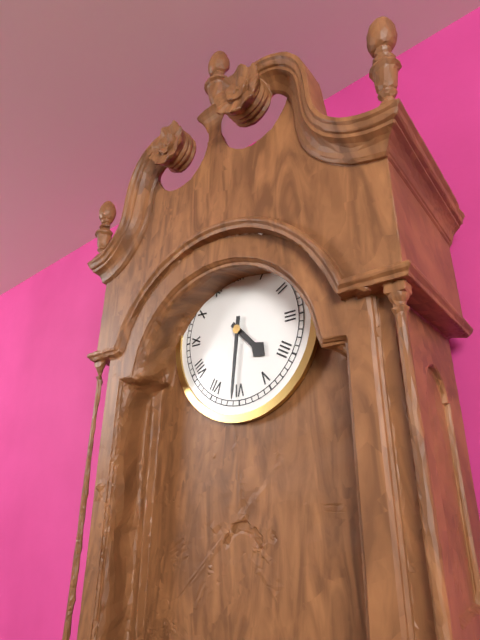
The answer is 4 h 31 min
